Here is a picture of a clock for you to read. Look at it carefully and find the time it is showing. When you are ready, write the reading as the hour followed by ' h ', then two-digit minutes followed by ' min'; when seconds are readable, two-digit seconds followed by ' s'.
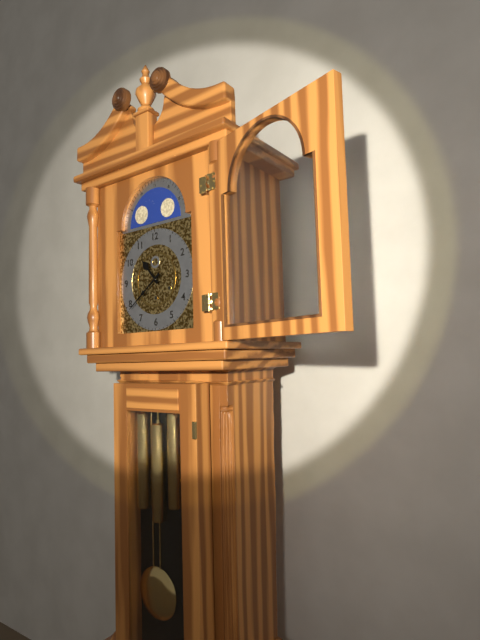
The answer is 10 h 39 min
